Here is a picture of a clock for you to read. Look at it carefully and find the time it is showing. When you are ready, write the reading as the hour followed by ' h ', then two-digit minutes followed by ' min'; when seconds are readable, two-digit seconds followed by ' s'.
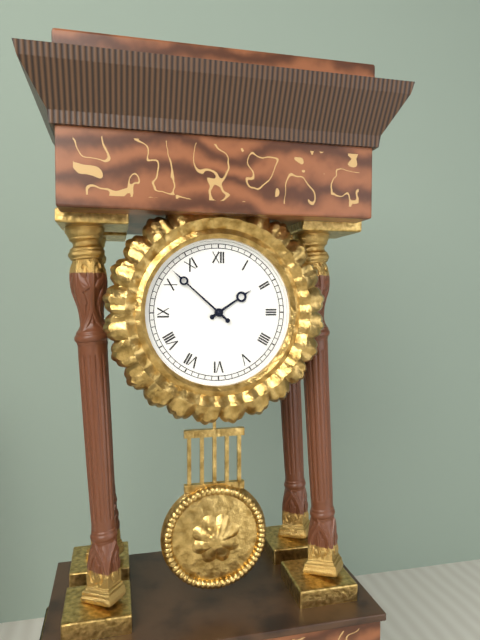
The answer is 1 h 52 min
